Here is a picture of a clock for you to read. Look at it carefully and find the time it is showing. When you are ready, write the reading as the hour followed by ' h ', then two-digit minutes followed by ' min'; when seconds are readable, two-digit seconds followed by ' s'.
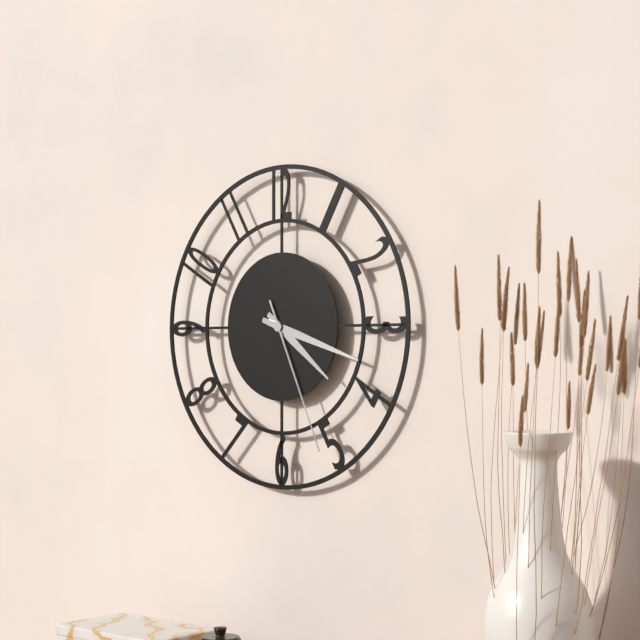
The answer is 4 h 18 min 26 s
